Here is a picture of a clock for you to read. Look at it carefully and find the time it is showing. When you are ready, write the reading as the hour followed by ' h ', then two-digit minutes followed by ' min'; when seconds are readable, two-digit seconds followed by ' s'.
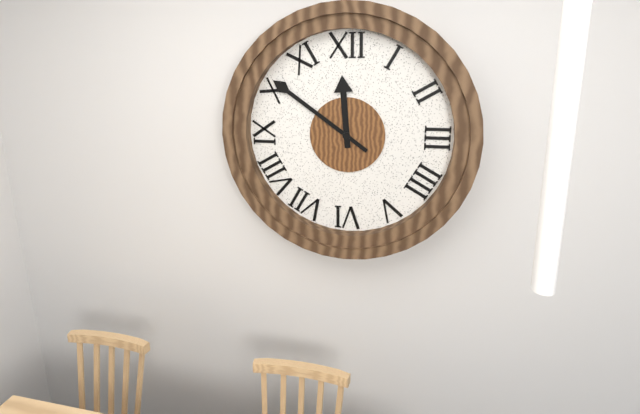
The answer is 11 h 51 min
